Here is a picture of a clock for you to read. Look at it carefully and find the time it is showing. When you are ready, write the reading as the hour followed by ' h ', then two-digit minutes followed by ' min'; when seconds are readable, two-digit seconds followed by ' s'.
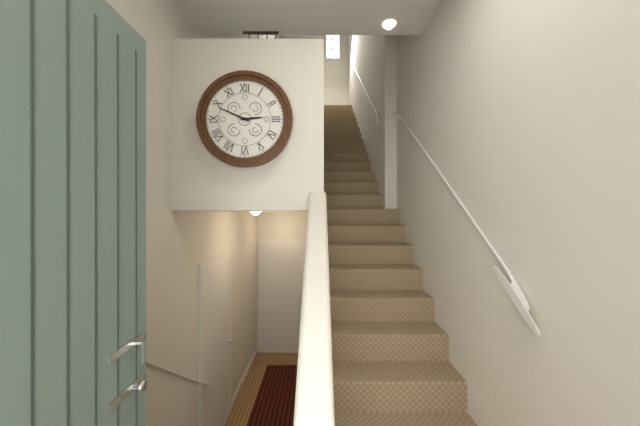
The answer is 2 h 49 min
